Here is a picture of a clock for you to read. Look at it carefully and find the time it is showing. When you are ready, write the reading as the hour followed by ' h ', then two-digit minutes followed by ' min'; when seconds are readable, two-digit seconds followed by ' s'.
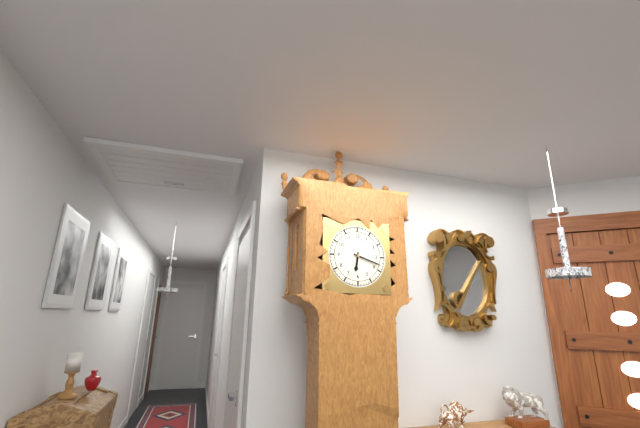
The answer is 6 h 18 min
